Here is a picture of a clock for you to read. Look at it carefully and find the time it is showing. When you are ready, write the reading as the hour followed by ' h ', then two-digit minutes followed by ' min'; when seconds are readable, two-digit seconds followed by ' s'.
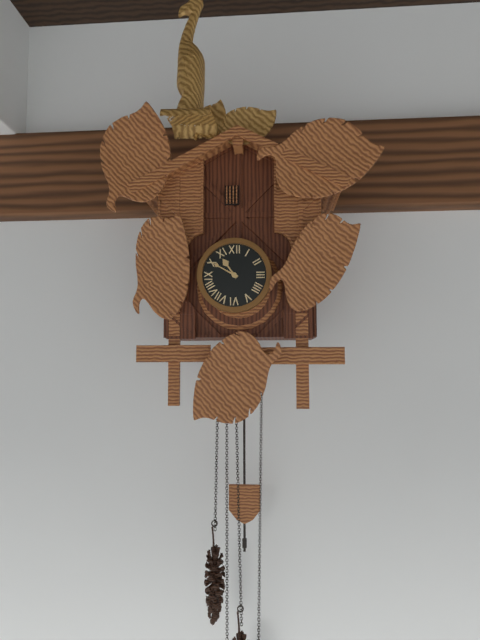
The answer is 10 h 50 min
